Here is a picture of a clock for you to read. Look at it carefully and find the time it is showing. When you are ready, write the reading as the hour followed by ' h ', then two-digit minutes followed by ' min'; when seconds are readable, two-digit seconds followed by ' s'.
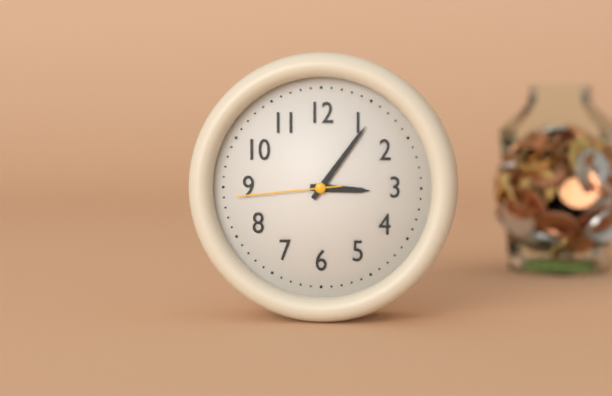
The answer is 3 h 06 min 44 s
